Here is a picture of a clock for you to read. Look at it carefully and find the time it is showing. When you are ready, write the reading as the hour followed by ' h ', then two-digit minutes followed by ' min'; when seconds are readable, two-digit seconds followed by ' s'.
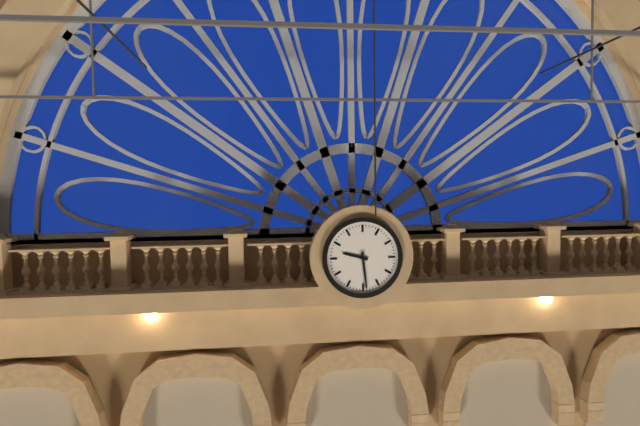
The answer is 9 h 29 min
